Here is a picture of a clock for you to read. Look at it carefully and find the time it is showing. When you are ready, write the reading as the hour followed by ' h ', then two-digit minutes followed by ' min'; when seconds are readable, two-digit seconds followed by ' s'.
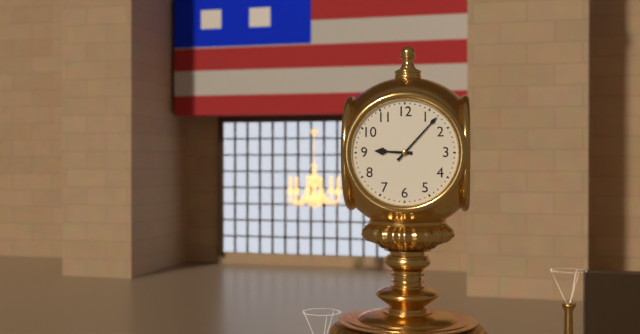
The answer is 9 h 07 min
